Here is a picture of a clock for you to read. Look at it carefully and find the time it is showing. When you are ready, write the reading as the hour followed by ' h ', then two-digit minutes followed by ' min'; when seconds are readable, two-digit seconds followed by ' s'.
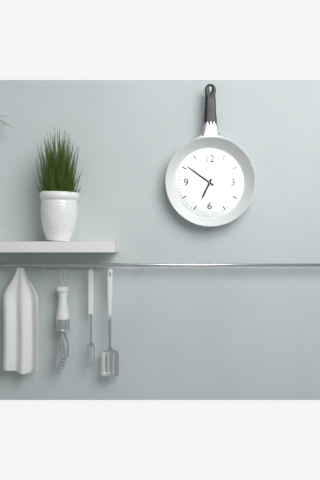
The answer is 6 h 51 min
